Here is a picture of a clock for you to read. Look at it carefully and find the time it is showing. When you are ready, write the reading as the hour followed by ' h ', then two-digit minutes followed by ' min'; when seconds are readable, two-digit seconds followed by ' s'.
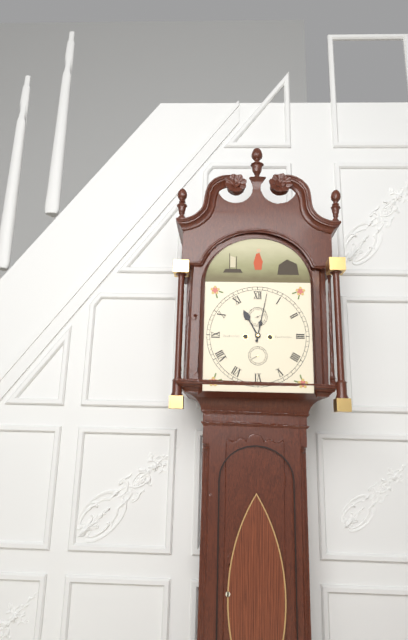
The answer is 11 h 02 min
